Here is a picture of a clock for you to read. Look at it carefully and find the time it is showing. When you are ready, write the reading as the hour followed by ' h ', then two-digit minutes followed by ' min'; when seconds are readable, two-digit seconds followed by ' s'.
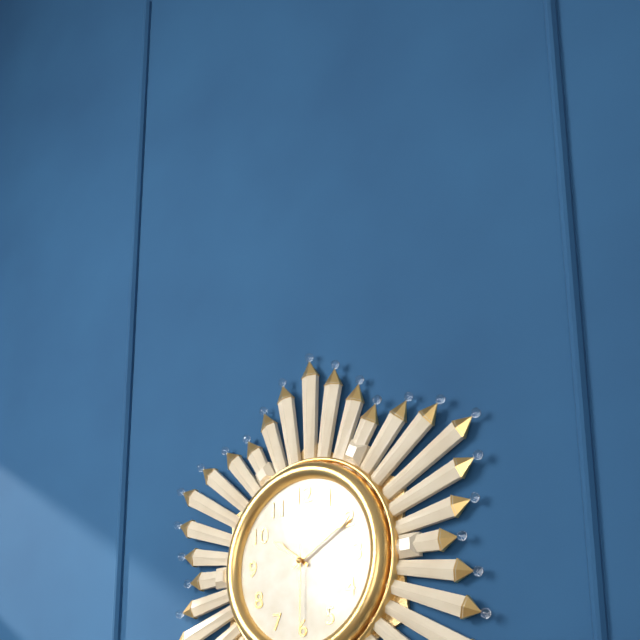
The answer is 10 h 10 min 30 s
